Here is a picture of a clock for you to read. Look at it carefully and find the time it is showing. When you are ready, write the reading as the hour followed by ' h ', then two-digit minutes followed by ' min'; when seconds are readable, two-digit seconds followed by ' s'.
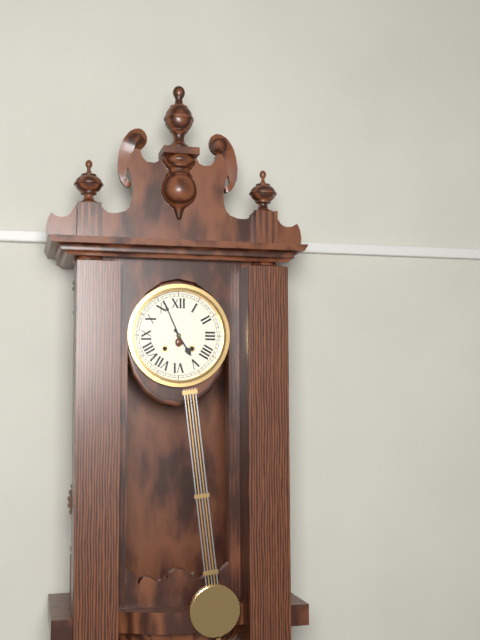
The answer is 4 h 56 min
